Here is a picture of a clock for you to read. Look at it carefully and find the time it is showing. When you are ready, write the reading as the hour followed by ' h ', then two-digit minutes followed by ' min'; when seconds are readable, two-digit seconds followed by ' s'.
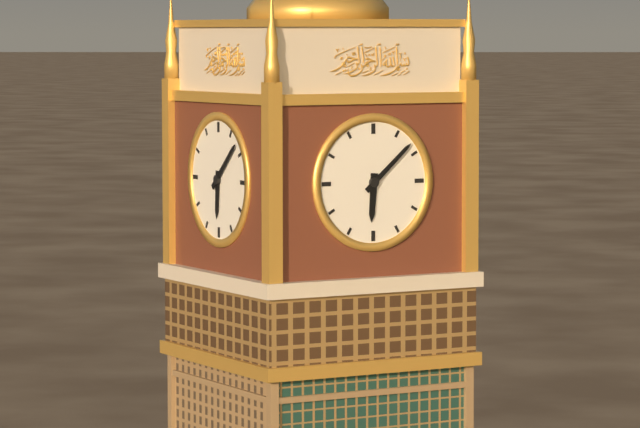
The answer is 6 h 08 min
